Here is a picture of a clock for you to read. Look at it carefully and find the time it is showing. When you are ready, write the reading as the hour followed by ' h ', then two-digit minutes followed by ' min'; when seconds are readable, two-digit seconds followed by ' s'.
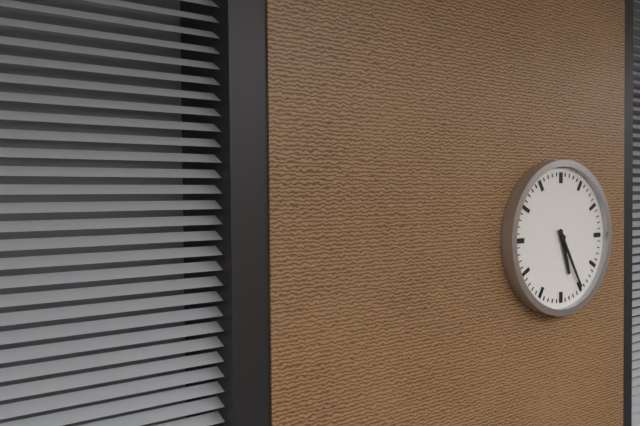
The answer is 5 h 25 min
